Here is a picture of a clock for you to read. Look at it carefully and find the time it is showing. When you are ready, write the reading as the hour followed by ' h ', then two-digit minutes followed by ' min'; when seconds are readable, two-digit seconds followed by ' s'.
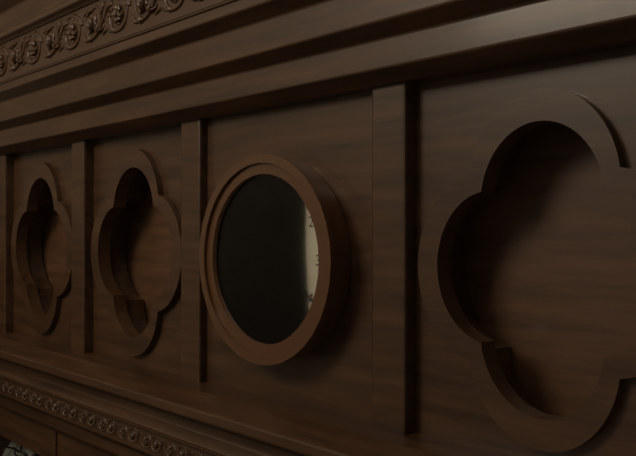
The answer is 11 h 20 min
